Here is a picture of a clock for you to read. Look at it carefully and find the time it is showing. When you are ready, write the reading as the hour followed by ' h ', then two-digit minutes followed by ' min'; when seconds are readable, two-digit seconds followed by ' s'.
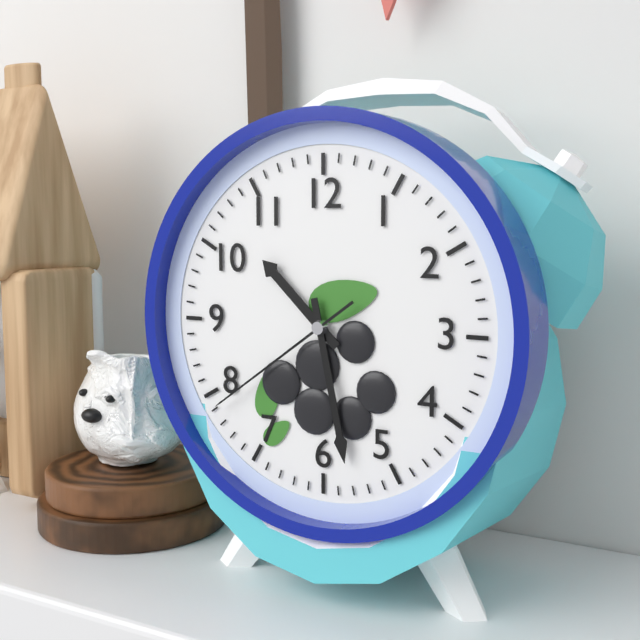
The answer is 10 h 28 min 39 s
